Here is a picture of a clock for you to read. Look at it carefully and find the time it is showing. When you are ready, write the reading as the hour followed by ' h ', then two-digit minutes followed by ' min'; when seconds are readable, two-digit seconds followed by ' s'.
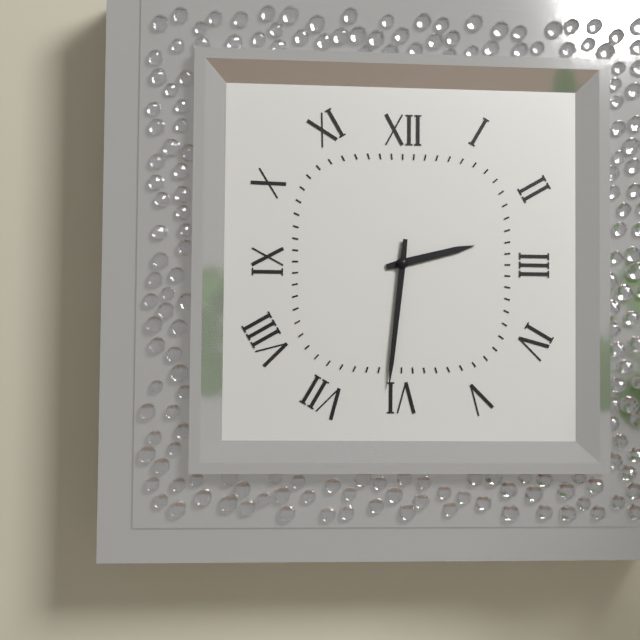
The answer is 2 h 31 min
